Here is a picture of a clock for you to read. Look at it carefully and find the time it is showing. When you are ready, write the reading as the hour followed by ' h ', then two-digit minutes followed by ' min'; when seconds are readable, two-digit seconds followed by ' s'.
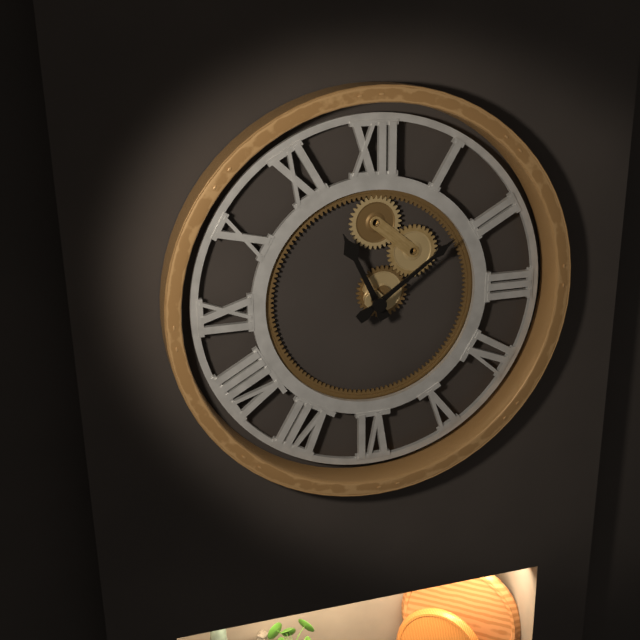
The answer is 11 h 09 min
